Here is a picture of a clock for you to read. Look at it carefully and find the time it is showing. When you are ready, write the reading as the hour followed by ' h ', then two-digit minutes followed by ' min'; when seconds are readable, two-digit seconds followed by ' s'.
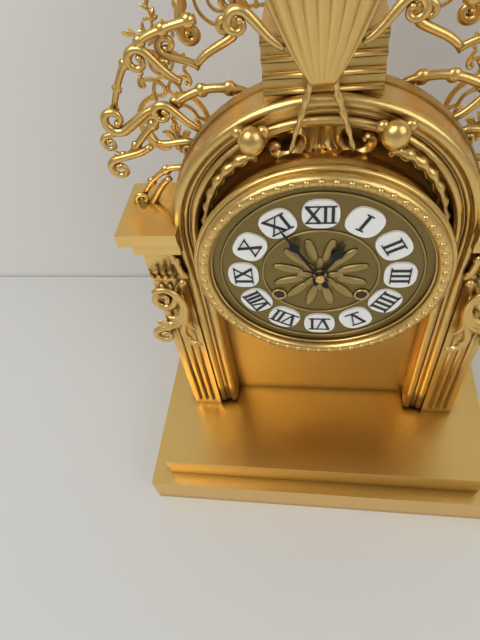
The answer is 12 h 55 min
